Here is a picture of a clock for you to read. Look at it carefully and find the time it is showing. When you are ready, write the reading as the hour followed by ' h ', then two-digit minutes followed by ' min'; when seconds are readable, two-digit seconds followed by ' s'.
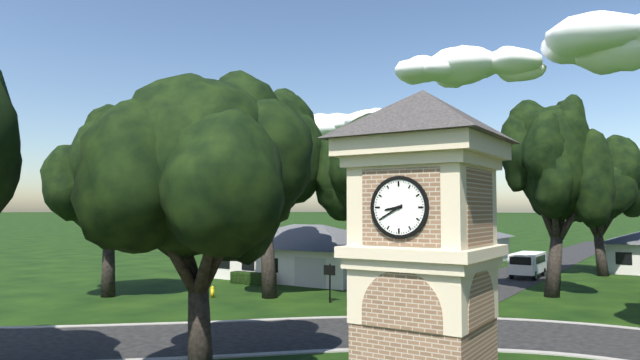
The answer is 8 h 40 min
